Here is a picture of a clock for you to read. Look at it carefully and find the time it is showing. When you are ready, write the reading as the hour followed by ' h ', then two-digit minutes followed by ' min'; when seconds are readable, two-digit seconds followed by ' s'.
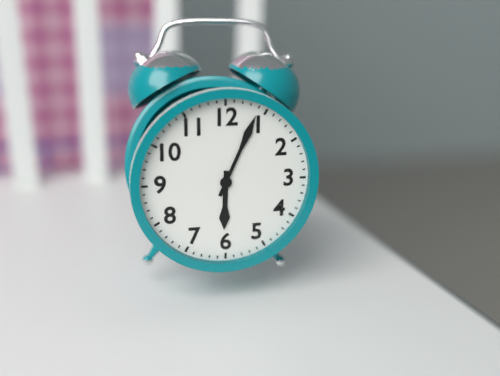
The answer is 6 h 04 min
